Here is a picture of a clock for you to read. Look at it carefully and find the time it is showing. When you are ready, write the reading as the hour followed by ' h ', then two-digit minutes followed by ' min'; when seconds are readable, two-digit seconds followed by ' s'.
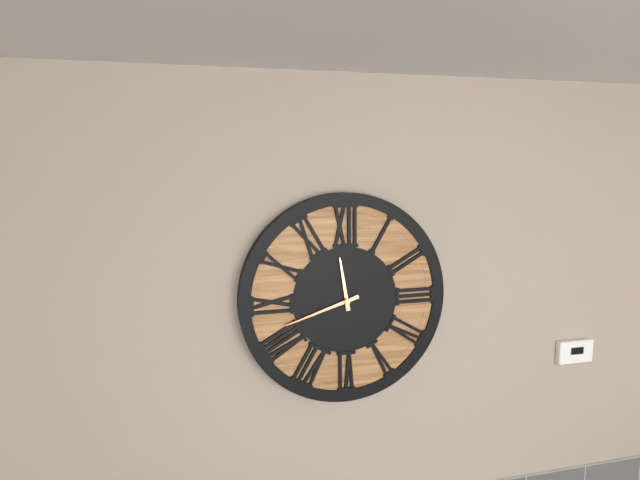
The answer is 11 h 42 min
